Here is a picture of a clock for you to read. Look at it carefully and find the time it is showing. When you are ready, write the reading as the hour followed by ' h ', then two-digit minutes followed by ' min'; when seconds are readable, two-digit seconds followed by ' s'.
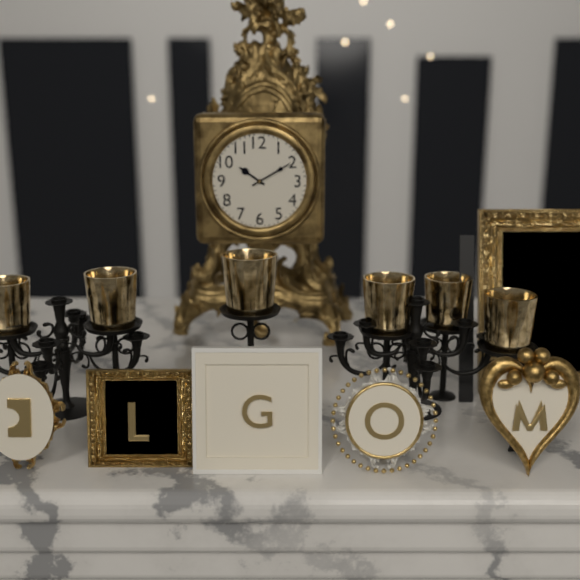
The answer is 10 h 10 min
